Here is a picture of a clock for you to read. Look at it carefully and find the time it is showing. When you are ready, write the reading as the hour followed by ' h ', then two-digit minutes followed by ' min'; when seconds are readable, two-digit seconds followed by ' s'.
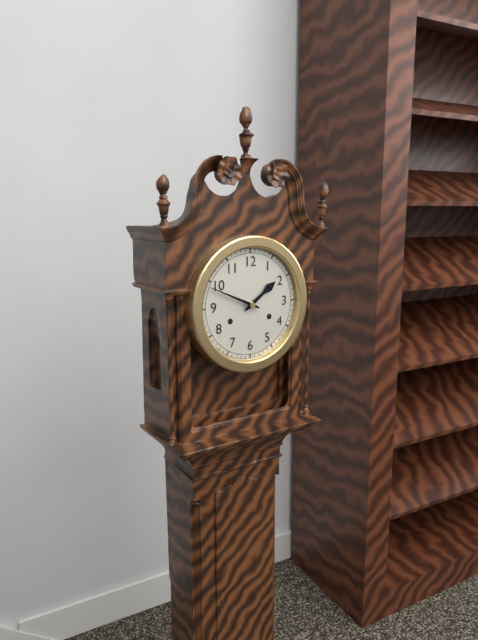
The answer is 1 h 49 min
